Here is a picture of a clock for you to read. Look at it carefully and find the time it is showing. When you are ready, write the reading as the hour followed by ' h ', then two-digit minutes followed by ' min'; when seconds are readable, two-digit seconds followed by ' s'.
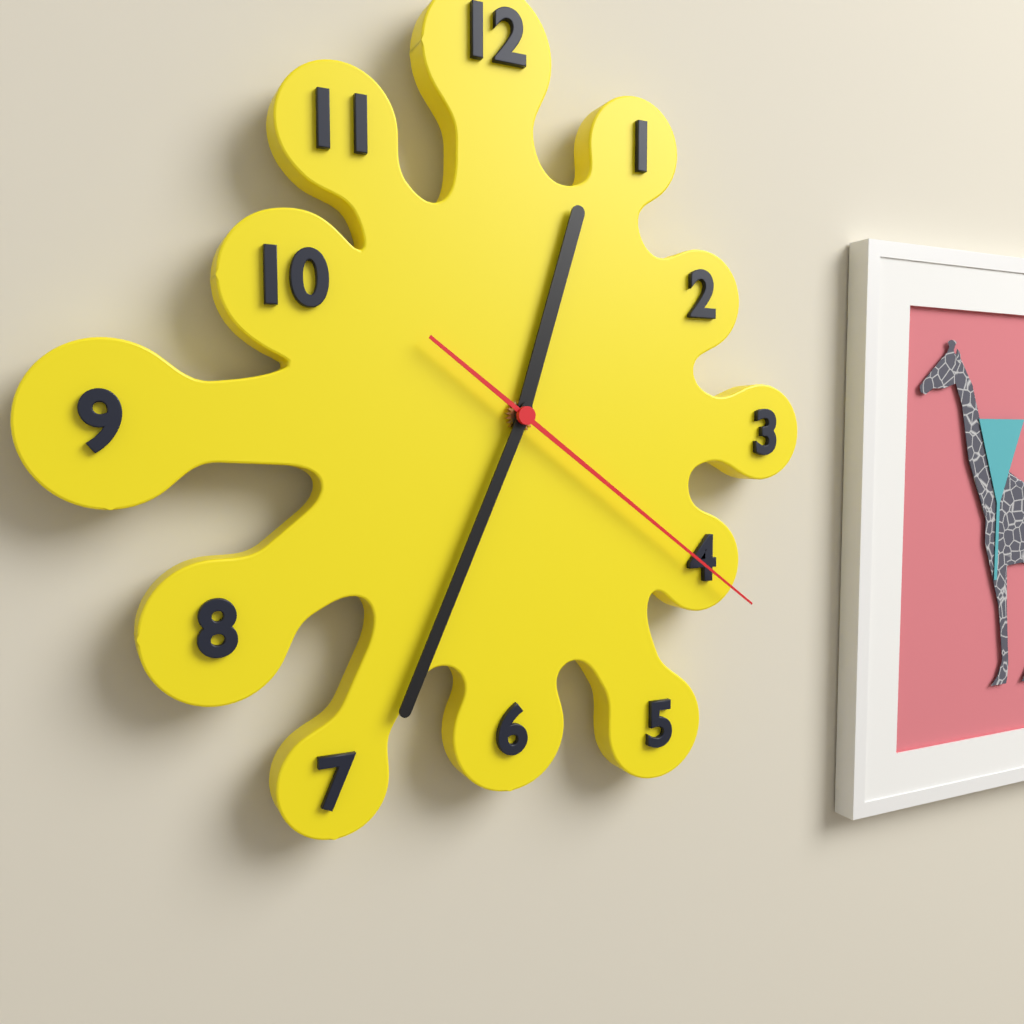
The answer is 12 h 34 min 21 s
